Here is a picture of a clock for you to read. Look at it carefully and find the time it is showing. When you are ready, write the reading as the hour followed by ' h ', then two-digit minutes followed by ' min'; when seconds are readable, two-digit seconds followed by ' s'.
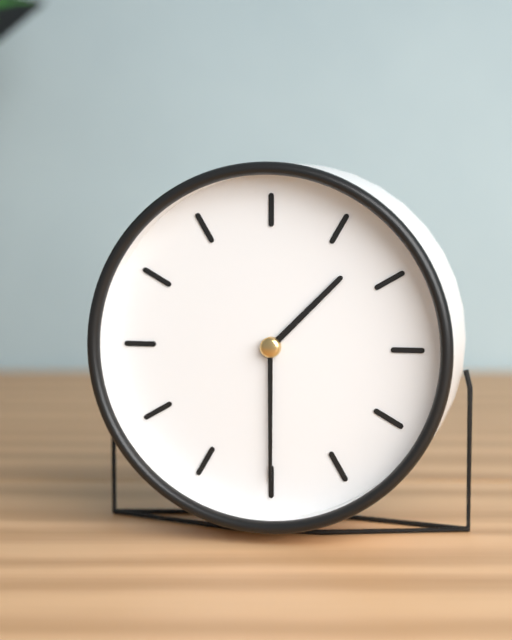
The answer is 1 h 30 min
